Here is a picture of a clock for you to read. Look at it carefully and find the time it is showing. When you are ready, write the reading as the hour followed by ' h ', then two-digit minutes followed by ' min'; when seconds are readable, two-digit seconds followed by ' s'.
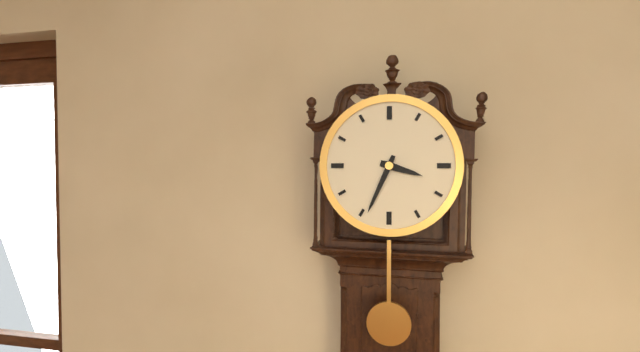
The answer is 3 h 34 min
